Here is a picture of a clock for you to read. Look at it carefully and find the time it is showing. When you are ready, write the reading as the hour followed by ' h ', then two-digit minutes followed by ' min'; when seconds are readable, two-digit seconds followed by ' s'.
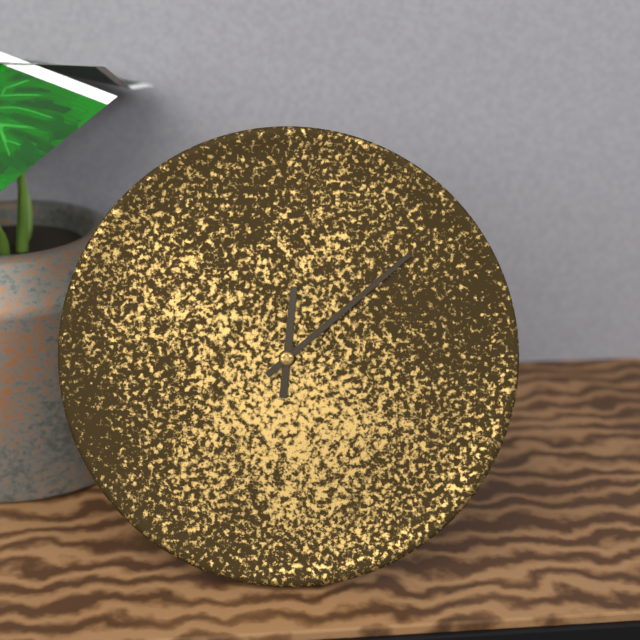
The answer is 12 h 08 min
